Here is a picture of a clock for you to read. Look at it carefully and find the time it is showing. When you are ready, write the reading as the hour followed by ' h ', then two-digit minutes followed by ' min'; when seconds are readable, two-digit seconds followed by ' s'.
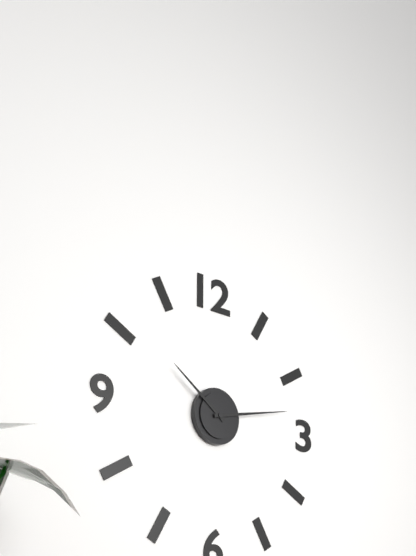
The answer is 10 h 13 min
